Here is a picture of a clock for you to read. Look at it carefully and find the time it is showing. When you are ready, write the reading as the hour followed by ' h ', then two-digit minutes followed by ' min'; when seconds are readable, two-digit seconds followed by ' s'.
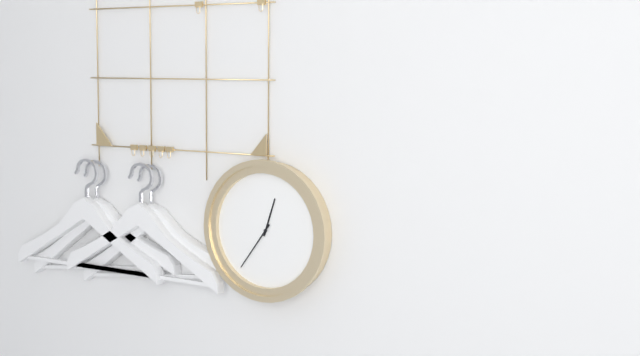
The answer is 12 h 36 min
